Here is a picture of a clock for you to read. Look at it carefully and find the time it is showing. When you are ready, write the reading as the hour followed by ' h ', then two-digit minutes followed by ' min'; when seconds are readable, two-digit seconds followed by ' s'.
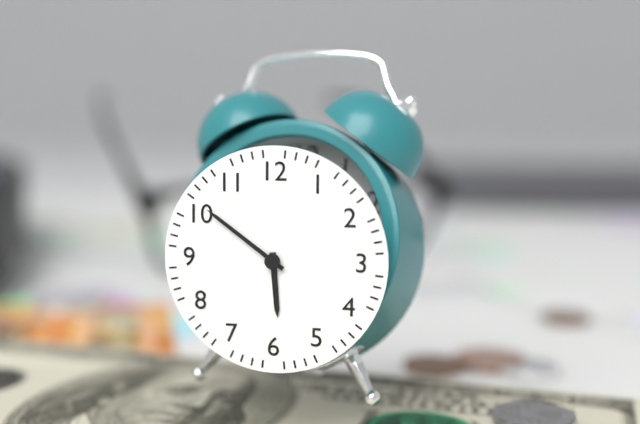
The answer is 5 h 51 min
